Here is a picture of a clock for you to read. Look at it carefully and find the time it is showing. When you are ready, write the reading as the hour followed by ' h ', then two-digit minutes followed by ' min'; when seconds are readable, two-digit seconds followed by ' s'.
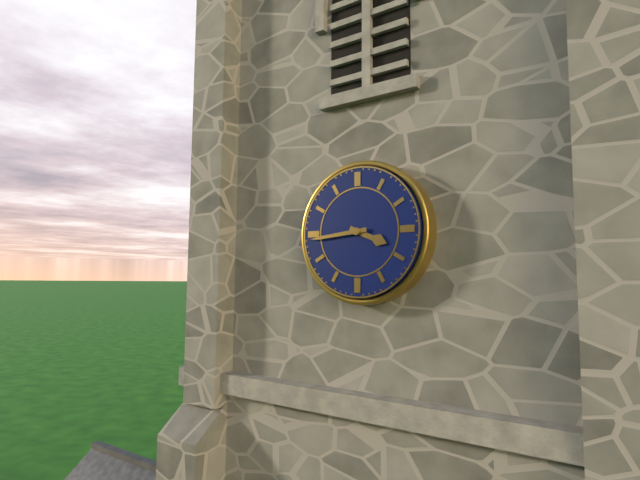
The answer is 3 h 44 min
